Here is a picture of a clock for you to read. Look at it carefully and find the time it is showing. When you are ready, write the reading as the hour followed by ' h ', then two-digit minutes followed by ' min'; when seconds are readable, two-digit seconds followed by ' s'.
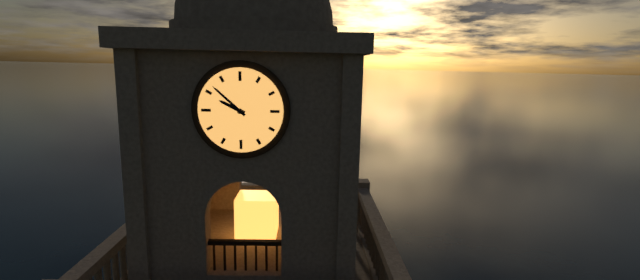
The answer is 9 h 52 min
